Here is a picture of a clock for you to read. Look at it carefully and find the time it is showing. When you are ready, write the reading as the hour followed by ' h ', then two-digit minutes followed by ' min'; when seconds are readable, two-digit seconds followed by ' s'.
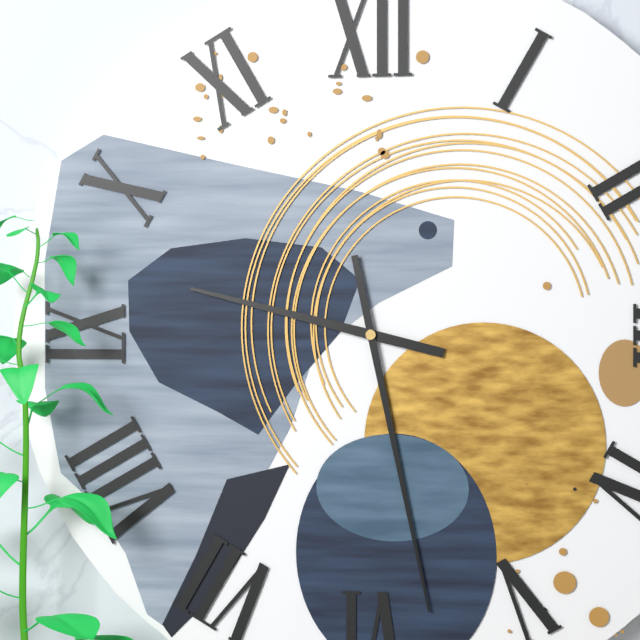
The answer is 9 h 28 min
